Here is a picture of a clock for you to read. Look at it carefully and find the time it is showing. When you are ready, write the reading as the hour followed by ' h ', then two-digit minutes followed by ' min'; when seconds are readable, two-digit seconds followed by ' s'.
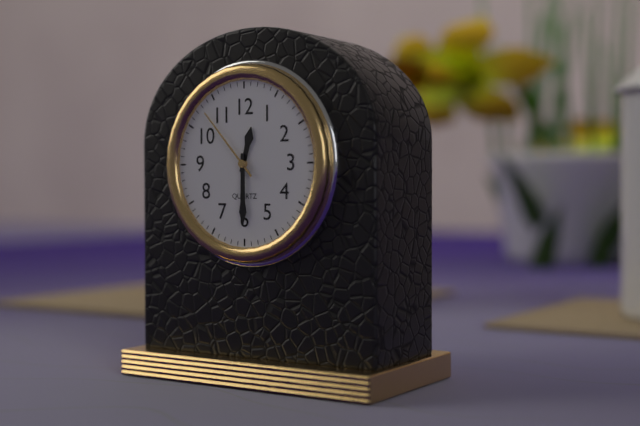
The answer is 12 h 30 min 53 s
